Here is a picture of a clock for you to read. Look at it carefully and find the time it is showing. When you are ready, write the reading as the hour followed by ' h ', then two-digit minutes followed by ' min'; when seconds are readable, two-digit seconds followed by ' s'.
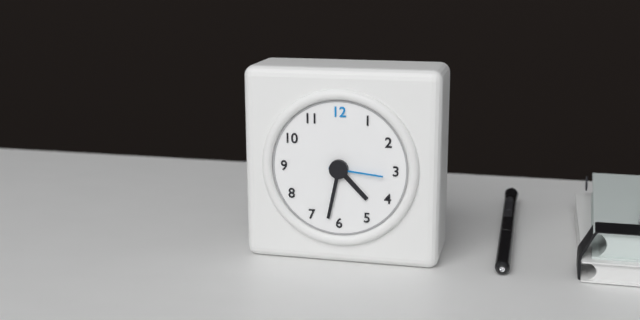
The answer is 4 h 32 min 16 s
